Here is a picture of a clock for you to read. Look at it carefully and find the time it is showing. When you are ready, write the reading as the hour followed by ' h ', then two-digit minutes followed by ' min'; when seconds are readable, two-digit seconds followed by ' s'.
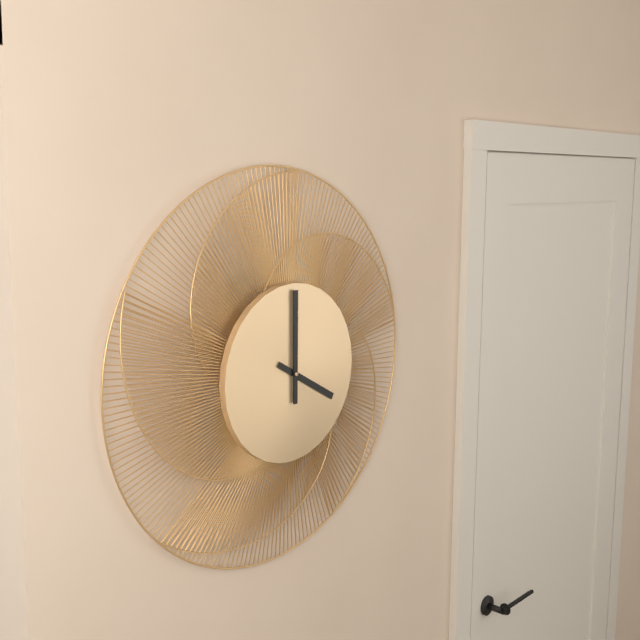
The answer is 4 h 00 min
